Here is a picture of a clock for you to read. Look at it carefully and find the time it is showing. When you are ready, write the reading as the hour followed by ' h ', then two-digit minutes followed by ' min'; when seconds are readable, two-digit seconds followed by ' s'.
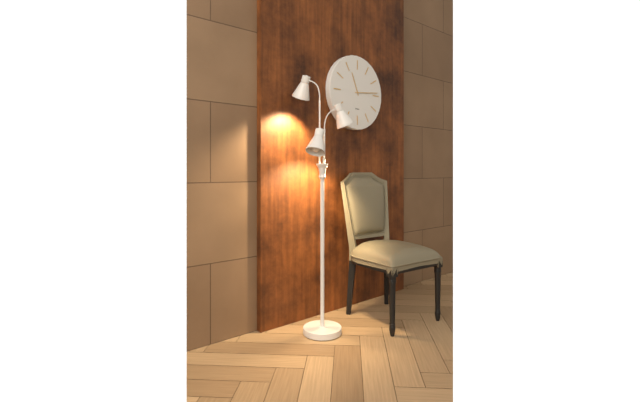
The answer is 11 h 14 min
